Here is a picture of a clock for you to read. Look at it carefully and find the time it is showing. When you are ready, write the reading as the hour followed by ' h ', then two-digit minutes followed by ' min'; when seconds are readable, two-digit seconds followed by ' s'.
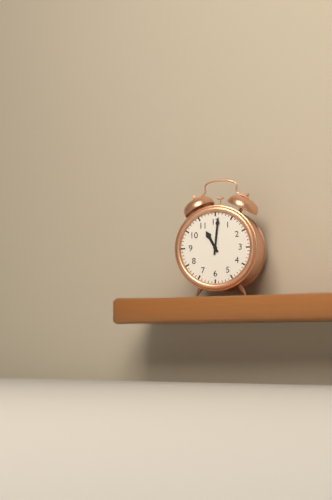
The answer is 11 h 01 min
